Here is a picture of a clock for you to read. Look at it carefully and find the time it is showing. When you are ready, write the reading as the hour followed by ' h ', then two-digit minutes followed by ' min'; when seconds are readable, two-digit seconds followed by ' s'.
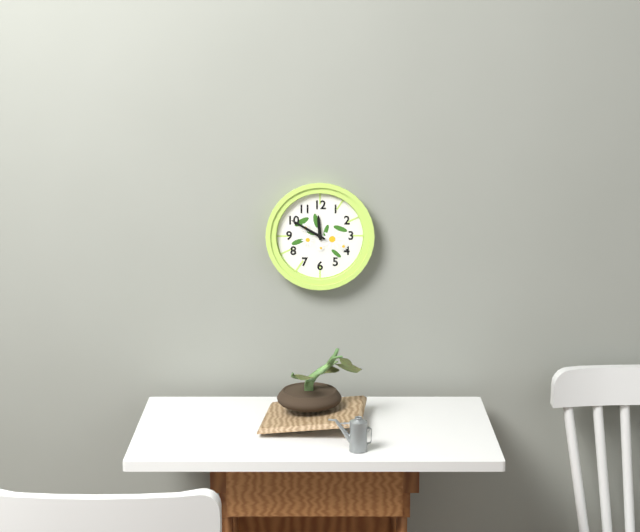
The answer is 11 h 50 min
